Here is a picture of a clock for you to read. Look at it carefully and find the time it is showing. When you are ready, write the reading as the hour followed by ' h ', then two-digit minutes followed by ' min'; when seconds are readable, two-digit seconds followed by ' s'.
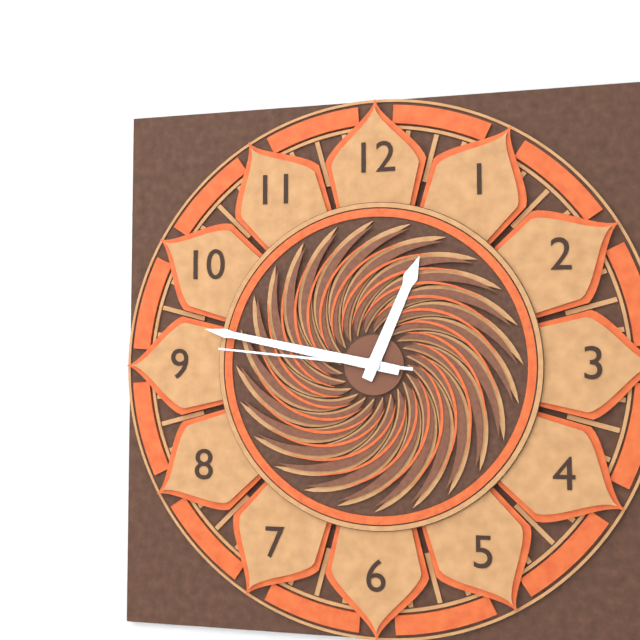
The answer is 12 h 47 min 46 s
